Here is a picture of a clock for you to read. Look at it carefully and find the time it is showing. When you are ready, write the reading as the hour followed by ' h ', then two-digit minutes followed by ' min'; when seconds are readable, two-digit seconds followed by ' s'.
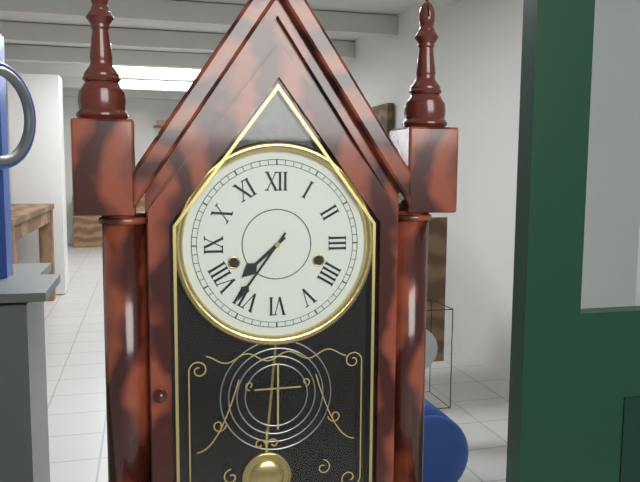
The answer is 7 h 36 min
